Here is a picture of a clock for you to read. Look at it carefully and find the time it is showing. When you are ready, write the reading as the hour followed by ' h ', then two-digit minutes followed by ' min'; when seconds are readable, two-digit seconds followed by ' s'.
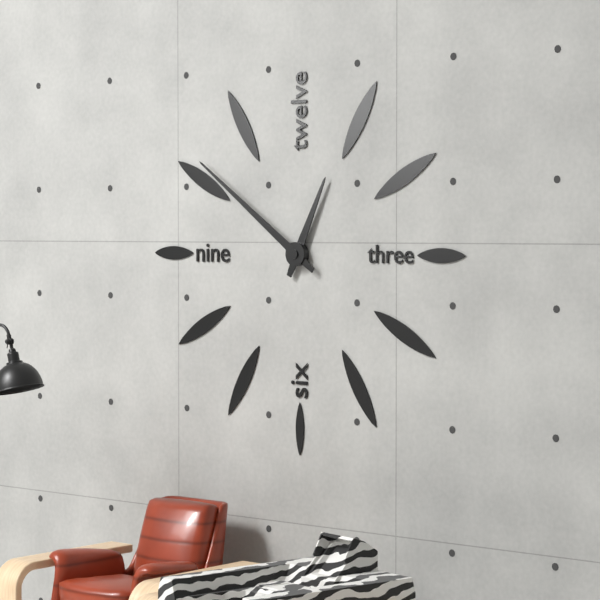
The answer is 12 h 51 min
